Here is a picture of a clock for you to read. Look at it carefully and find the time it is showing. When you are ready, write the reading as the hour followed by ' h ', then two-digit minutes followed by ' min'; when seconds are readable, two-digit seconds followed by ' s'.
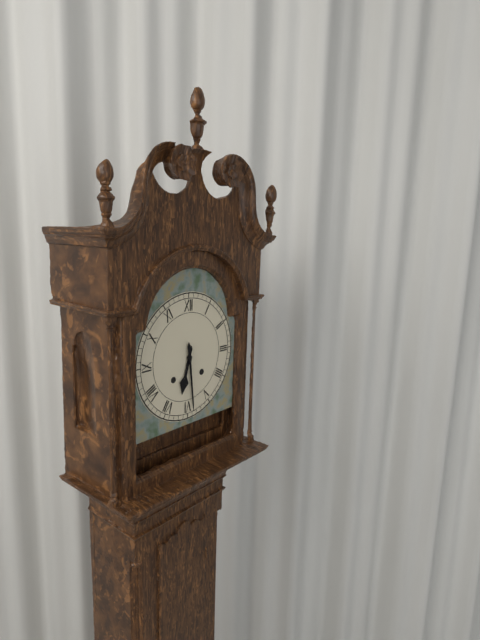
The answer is 6 h 29 min
